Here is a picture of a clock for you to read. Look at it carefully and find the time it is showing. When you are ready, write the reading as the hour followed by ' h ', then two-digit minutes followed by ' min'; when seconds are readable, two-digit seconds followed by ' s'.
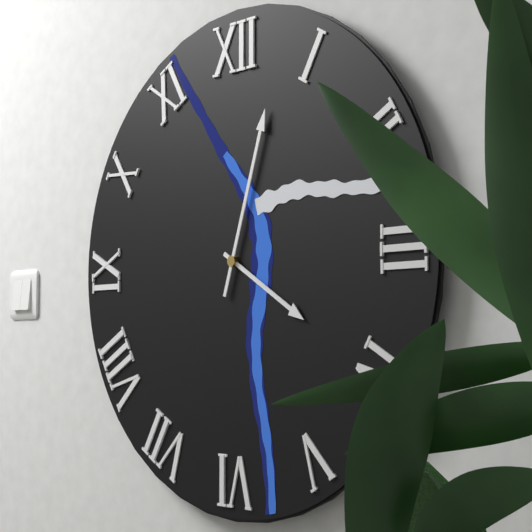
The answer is 4 h 03 min
